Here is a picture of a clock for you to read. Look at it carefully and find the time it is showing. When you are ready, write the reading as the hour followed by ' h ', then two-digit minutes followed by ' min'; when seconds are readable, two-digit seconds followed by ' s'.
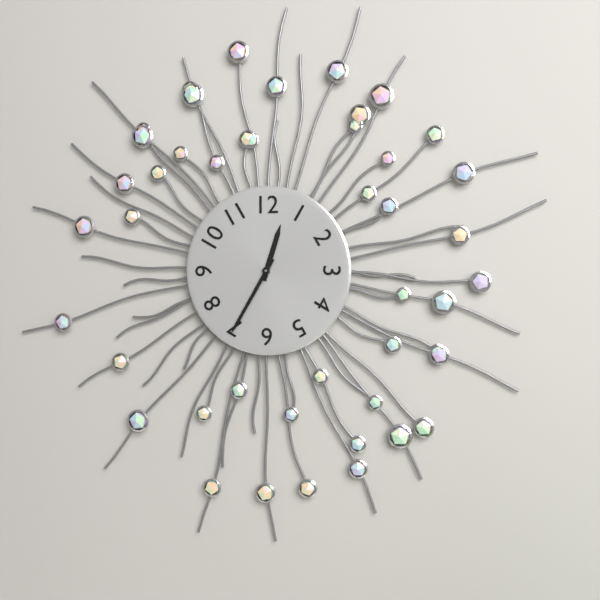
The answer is 12 h 35 min
